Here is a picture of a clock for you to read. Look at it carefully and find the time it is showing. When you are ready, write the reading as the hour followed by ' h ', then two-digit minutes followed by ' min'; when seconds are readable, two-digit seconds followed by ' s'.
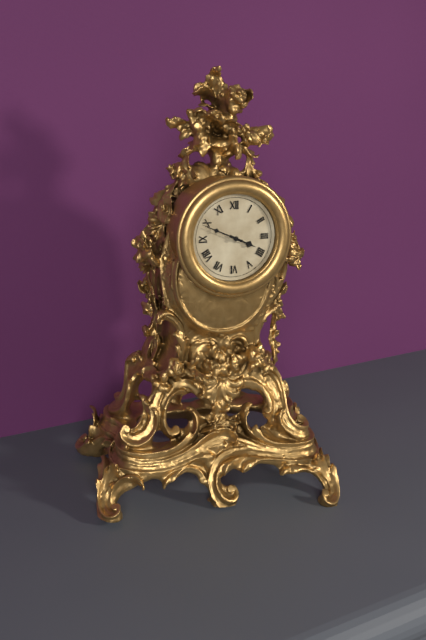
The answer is 3 h 49 min
